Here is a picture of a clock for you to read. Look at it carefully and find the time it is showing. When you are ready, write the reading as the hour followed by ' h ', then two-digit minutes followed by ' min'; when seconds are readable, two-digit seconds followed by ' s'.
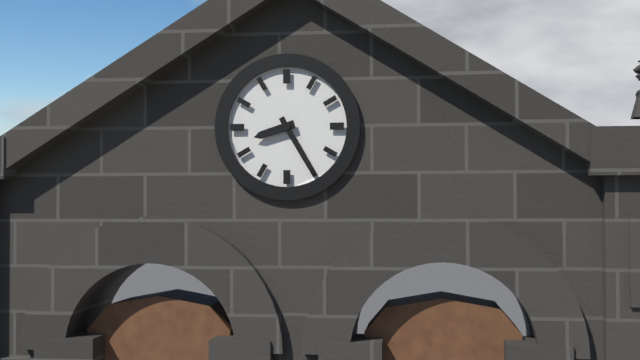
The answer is 8 h 25 min
